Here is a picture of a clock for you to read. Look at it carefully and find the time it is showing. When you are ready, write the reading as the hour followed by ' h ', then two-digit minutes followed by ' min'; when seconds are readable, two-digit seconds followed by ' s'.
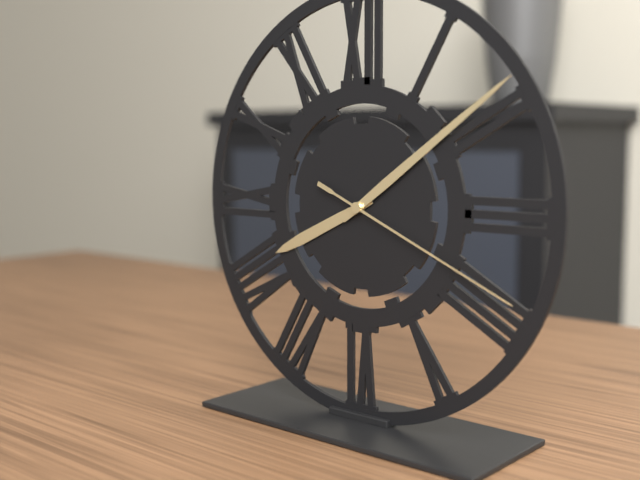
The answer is 8 h 09 min 19 s
